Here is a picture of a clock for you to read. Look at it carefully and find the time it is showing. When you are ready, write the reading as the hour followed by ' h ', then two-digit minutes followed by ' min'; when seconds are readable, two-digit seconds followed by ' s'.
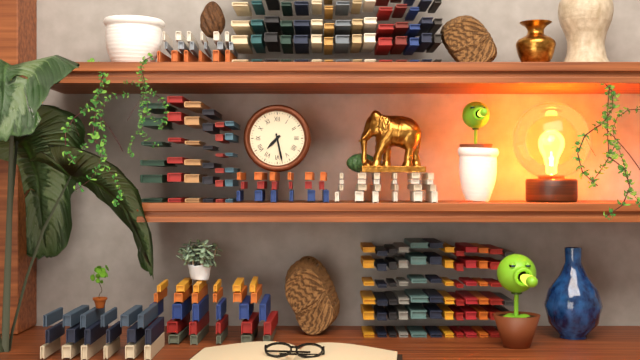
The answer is 7 h 28 min
